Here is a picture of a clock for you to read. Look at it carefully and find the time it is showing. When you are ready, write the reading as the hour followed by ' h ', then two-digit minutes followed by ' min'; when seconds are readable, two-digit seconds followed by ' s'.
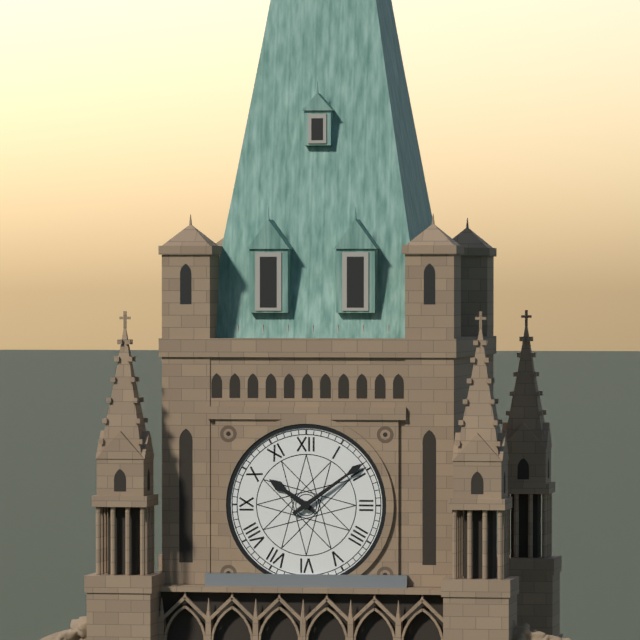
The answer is 10 h 09 min
